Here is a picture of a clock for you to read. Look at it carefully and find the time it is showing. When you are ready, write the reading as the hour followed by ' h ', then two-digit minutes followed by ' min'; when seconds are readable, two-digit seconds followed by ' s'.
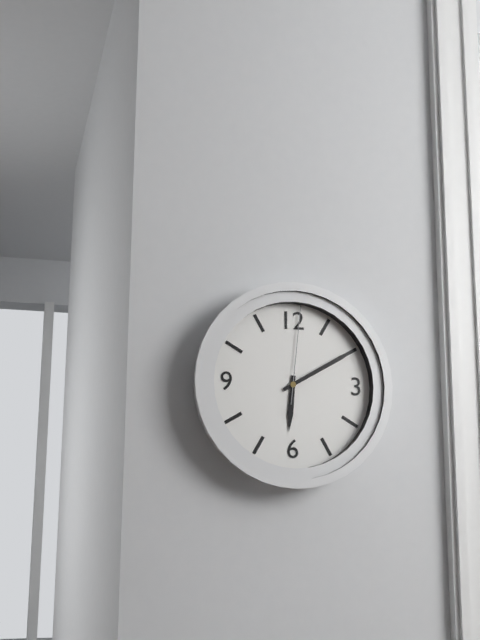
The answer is 6 h 10 min 01 s
